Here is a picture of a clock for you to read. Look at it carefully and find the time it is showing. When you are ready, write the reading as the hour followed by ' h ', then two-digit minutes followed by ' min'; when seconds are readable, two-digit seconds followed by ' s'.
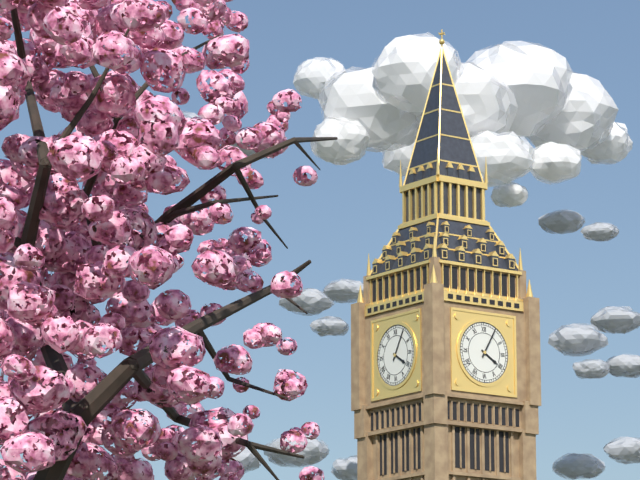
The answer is 4 h 05 min
